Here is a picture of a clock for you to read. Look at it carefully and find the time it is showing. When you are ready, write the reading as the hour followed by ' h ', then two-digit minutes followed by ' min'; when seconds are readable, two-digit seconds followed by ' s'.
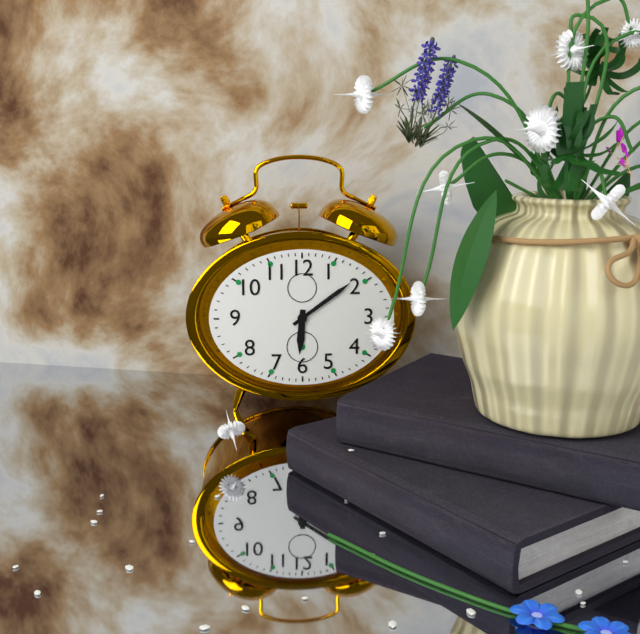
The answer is 6 h 09 min
